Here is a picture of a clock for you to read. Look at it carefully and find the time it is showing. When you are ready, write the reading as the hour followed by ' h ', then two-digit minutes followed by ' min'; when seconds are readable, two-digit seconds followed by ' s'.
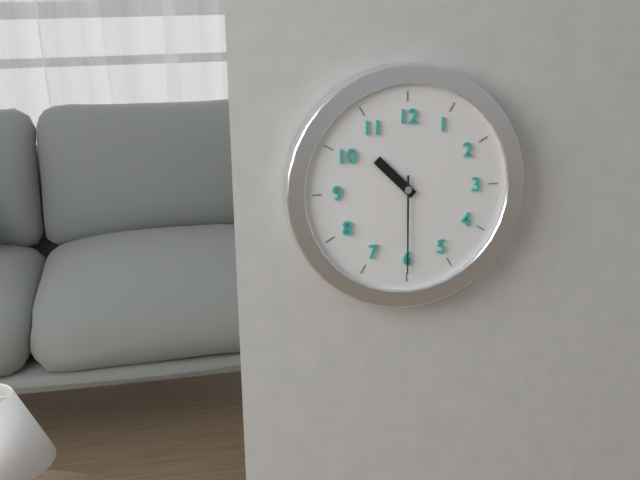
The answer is 10 h 30 min
